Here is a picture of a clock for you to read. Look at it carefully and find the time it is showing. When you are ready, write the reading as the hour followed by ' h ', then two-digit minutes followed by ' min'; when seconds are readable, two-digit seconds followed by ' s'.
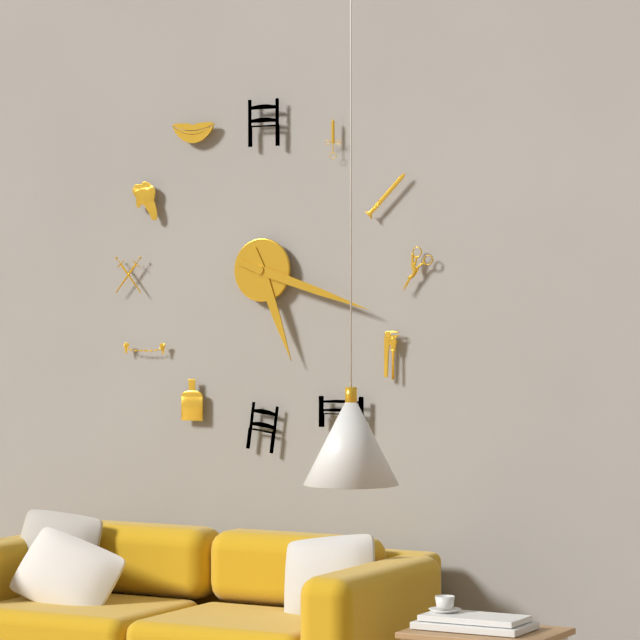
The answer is 5 h 18 min
